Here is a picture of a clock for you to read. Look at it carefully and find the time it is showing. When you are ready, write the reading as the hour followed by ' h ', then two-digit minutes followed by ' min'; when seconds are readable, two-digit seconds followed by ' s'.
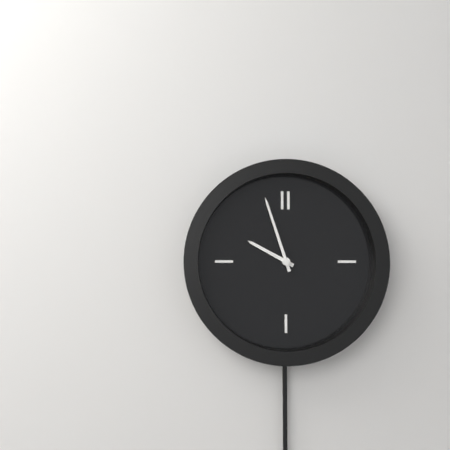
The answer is 9 h 57 min
